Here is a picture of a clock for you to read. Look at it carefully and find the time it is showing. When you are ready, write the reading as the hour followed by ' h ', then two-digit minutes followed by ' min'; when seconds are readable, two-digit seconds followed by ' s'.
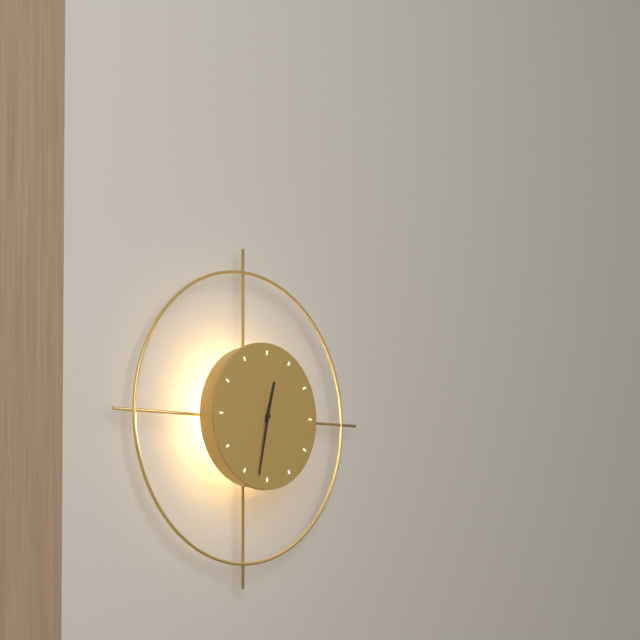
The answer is 12 h 32 min
